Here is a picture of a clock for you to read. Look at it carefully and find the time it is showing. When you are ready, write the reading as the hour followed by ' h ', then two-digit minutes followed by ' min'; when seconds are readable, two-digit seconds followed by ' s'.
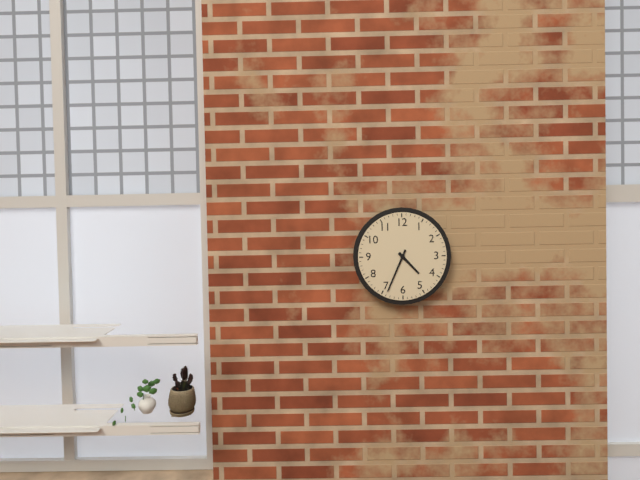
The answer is 4 h 34 min
